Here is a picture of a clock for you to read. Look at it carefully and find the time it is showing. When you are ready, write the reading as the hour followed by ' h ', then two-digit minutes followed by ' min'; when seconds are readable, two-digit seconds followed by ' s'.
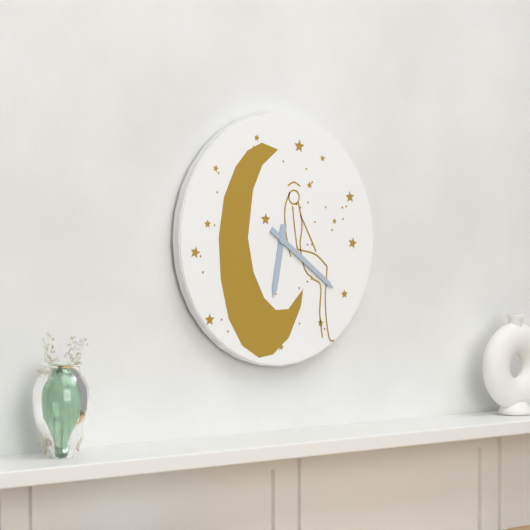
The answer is 6 h 21 min
